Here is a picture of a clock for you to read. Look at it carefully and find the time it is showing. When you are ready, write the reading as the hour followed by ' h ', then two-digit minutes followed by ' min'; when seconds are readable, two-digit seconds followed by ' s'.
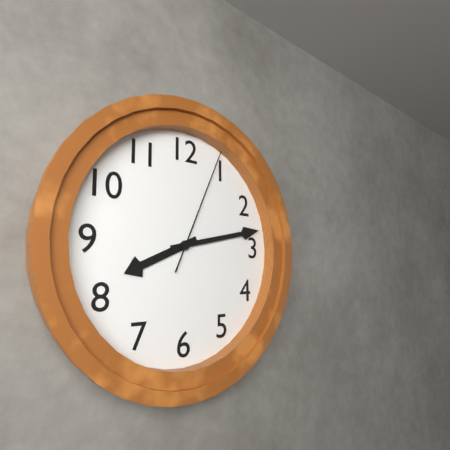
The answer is 8 h 13 min 04 s
